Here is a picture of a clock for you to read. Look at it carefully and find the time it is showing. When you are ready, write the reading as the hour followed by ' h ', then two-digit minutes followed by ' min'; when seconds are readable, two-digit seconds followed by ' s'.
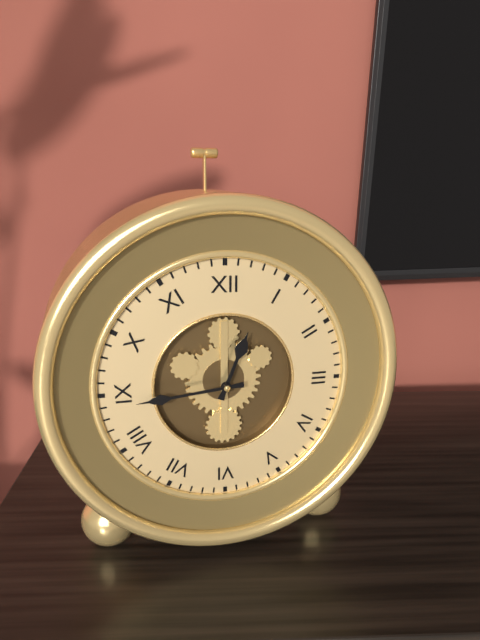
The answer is 12 h 44 min
